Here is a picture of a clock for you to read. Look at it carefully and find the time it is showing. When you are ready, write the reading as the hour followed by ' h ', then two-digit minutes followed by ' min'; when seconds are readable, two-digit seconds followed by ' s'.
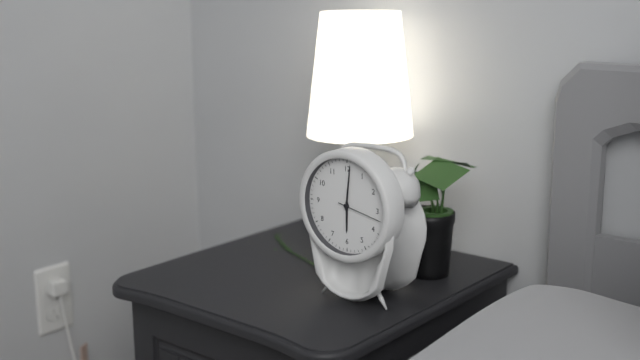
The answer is 6 h 01 min
